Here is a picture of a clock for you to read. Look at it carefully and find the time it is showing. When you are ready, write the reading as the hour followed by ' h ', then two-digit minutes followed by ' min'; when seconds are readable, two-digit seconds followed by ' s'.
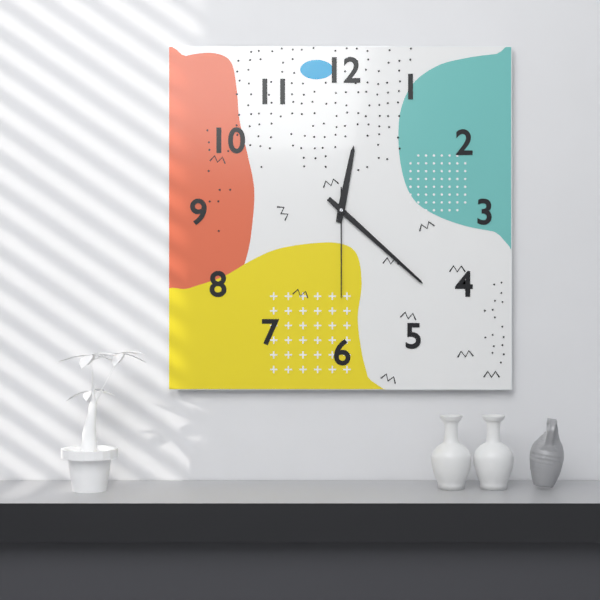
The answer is 12 h 22 min 30 s
